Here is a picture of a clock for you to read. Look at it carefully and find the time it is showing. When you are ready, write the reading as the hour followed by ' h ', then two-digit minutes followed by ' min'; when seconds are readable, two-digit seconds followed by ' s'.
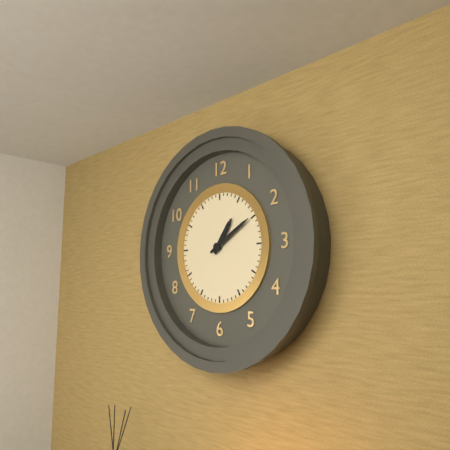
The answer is 1 h 10 min
